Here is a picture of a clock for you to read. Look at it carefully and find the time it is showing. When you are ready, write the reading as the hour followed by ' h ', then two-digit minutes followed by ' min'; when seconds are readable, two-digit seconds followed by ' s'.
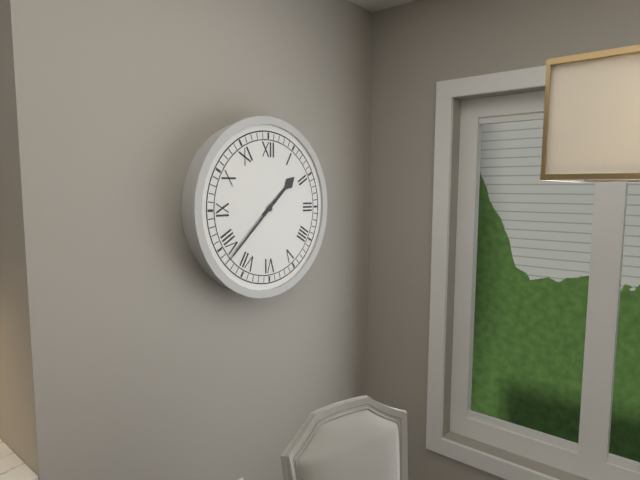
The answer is 1 h 38 min
